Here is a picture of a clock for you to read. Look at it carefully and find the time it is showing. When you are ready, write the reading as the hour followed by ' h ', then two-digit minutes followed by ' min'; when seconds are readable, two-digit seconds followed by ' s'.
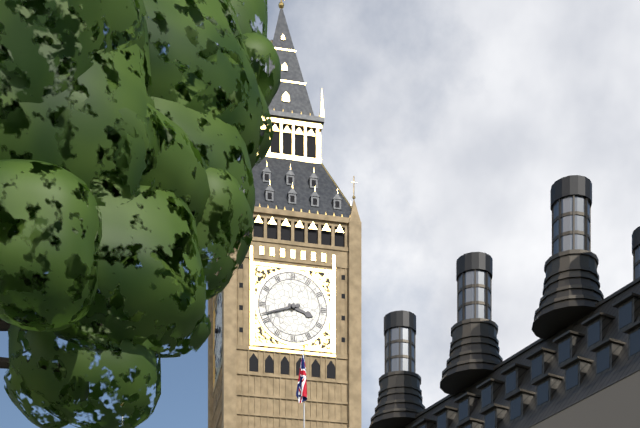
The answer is 3 h 42 min
